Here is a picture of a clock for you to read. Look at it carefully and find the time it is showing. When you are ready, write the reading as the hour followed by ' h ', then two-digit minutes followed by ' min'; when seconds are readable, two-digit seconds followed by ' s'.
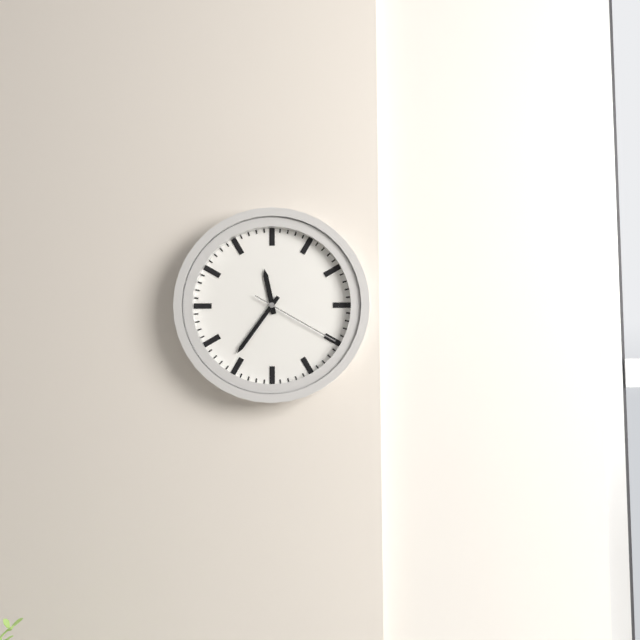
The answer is 11 h 36 min 20 s
